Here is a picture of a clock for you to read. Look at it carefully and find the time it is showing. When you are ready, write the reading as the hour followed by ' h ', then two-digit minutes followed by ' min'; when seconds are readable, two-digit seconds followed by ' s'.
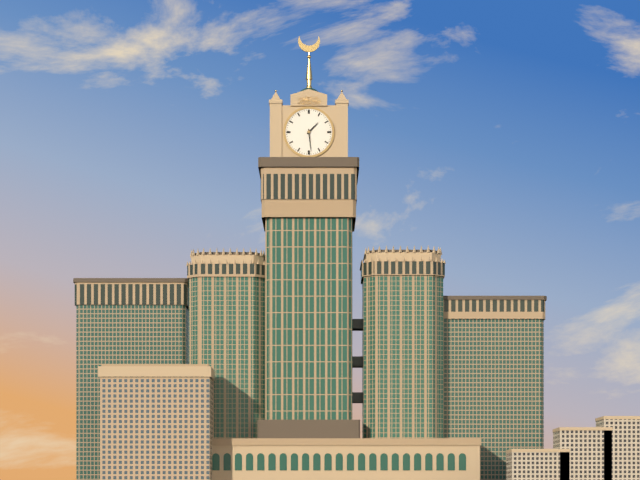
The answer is 1 h 29 min
